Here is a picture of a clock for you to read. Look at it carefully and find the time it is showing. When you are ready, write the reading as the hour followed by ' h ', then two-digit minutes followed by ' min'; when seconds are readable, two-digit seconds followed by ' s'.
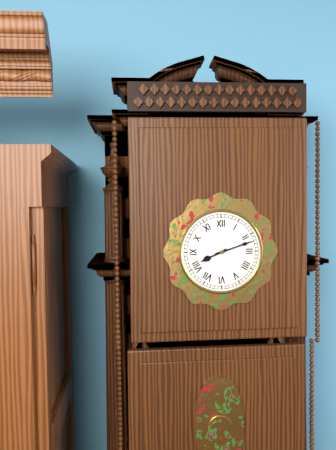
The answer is 8 h 12 min
